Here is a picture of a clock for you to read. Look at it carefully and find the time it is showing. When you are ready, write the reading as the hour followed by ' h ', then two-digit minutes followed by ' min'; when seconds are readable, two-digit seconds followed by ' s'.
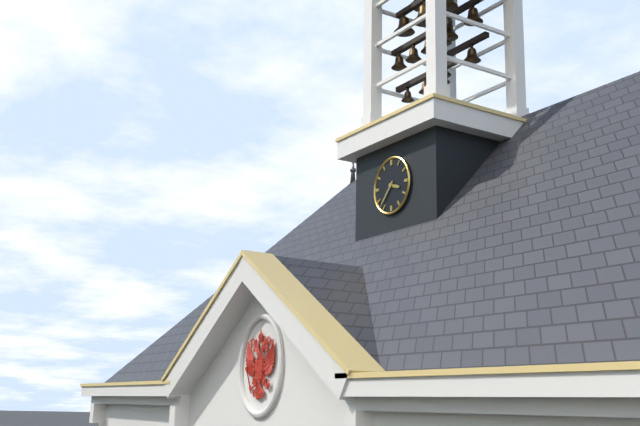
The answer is 3 h 37 min
